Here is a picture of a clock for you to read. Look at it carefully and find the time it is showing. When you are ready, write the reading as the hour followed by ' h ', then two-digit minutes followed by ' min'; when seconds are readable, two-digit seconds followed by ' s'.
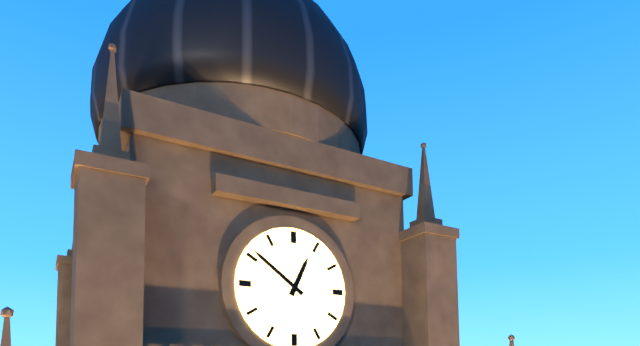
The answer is 12 h 51 min
